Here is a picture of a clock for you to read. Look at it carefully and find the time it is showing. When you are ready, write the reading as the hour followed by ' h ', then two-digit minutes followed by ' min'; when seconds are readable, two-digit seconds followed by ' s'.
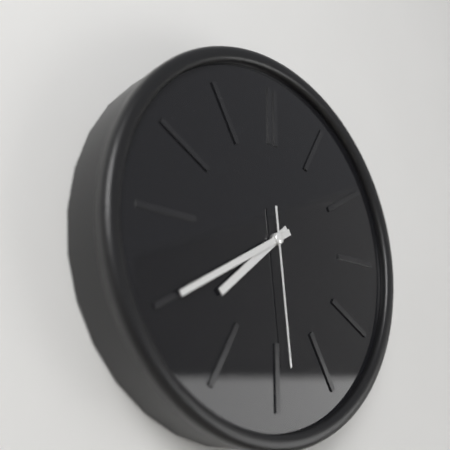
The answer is 7 h 40 min 29 s
